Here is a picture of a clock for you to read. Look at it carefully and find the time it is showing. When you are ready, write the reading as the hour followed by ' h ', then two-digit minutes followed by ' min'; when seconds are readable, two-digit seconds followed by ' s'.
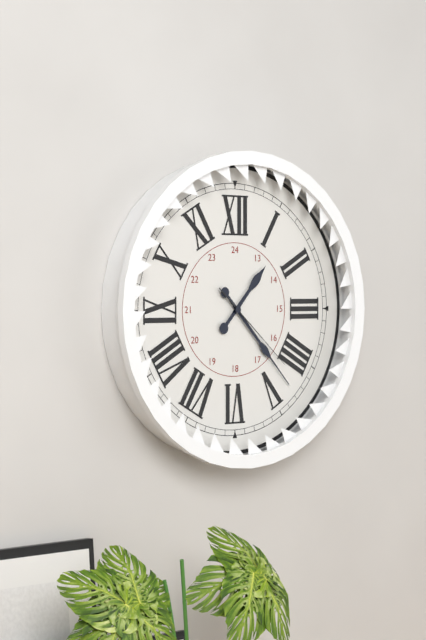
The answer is 1 h 23 min 22 s
